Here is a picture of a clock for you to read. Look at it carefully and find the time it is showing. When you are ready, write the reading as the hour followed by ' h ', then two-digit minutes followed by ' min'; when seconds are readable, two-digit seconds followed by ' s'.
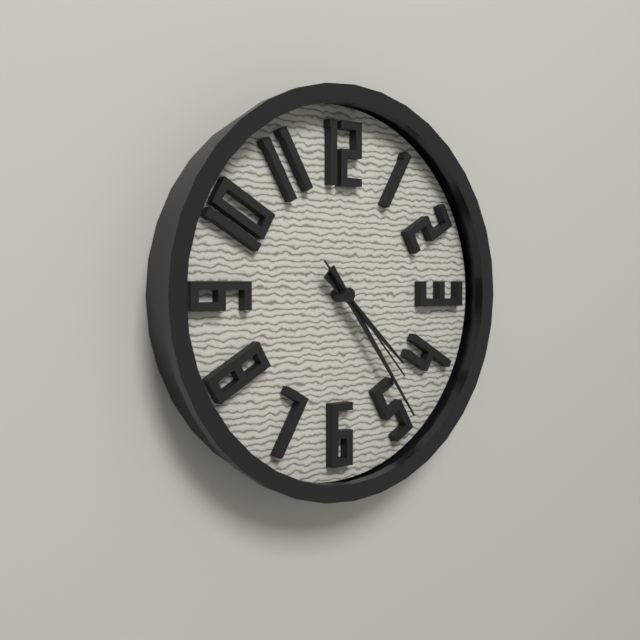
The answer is 4 h 24 min 23 s
